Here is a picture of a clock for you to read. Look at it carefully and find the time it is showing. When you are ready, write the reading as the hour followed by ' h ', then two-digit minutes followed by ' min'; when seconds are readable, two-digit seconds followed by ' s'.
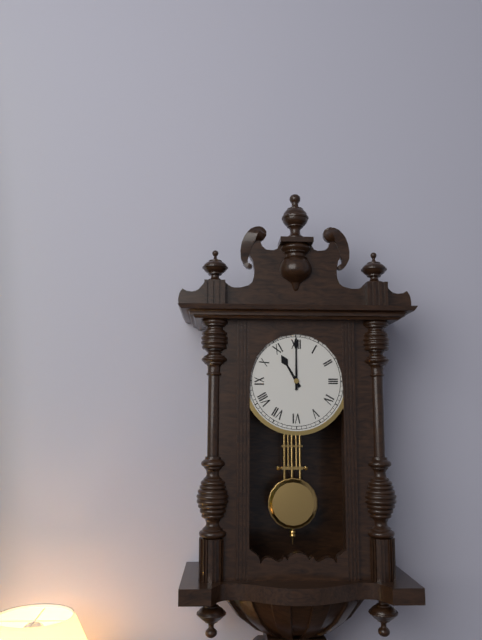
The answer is 11 h 00 min
